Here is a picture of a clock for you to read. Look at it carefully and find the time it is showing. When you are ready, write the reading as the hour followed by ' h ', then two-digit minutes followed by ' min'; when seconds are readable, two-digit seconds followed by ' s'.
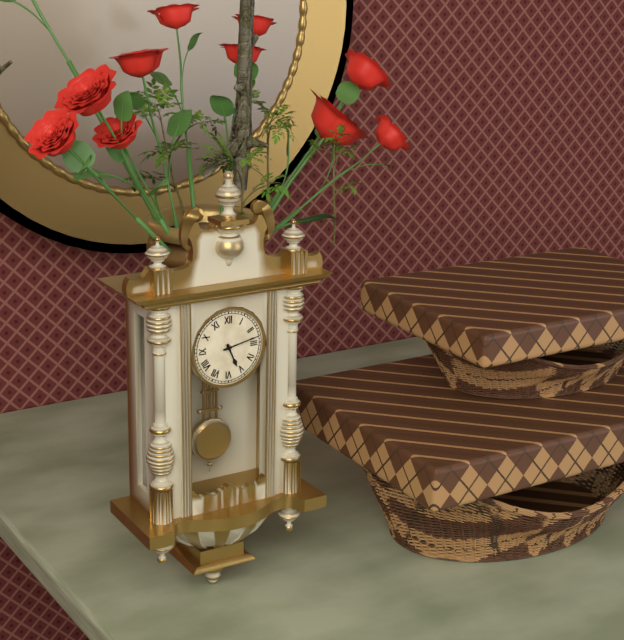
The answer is 5 h 13 min
